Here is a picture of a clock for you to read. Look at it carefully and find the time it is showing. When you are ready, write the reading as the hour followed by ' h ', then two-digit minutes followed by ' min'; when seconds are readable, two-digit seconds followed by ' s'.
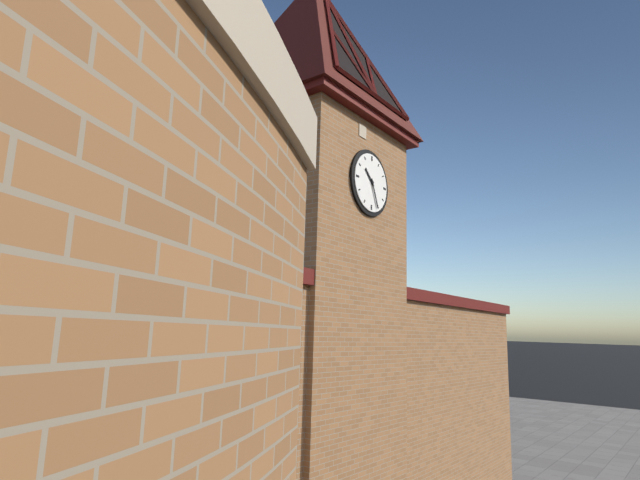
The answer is 10 h 26 min
